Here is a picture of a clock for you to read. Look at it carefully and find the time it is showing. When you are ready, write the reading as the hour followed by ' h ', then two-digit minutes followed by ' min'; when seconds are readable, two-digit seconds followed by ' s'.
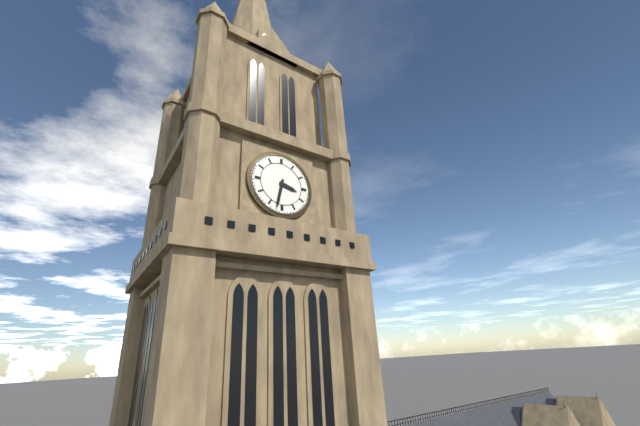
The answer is 3 h 32 min
